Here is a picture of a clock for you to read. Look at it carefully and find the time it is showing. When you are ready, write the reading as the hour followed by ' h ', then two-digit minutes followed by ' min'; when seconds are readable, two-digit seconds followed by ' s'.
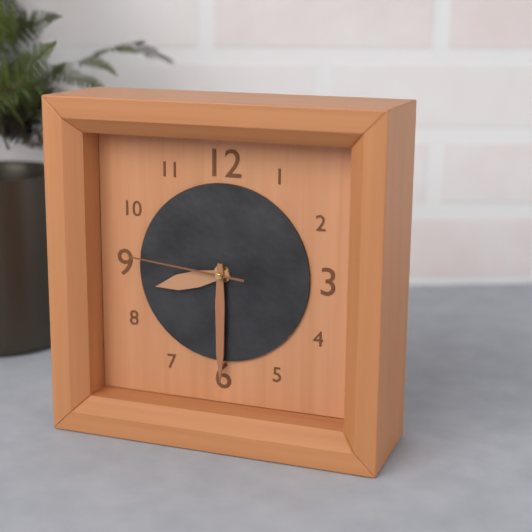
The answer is 8 h 30 min 46 s
